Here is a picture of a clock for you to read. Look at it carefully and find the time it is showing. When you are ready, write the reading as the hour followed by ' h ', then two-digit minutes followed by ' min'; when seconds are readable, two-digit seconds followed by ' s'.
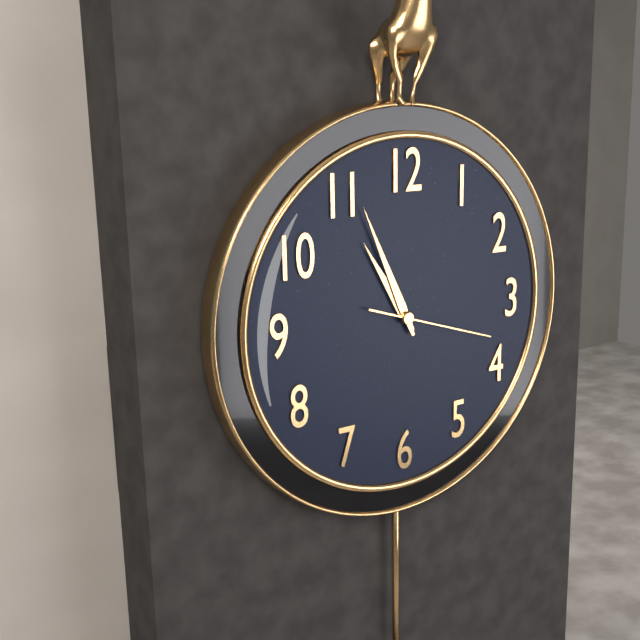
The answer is 10 h 56 min 18 s
